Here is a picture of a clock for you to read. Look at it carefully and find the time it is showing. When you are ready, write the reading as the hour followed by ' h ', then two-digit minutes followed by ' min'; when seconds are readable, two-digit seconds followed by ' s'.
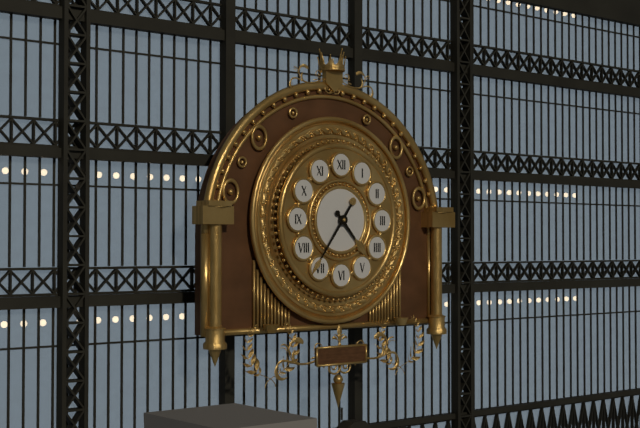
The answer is 4 h 36 min
